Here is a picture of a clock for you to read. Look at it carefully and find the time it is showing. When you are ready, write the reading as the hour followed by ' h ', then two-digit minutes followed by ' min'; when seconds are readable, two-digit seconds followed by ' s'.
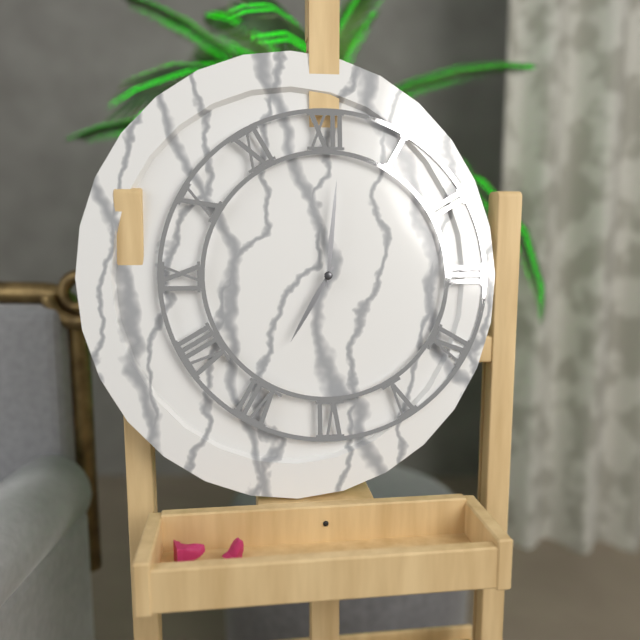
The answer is 7 h 01 min
